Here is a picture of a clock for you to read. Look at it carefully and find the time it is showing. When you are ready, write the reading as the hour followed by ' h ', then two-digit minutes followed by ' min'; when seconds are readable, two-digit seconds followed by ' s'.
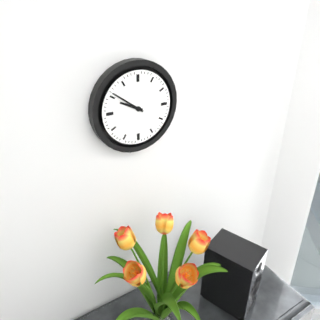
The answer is 9 h 51 min
